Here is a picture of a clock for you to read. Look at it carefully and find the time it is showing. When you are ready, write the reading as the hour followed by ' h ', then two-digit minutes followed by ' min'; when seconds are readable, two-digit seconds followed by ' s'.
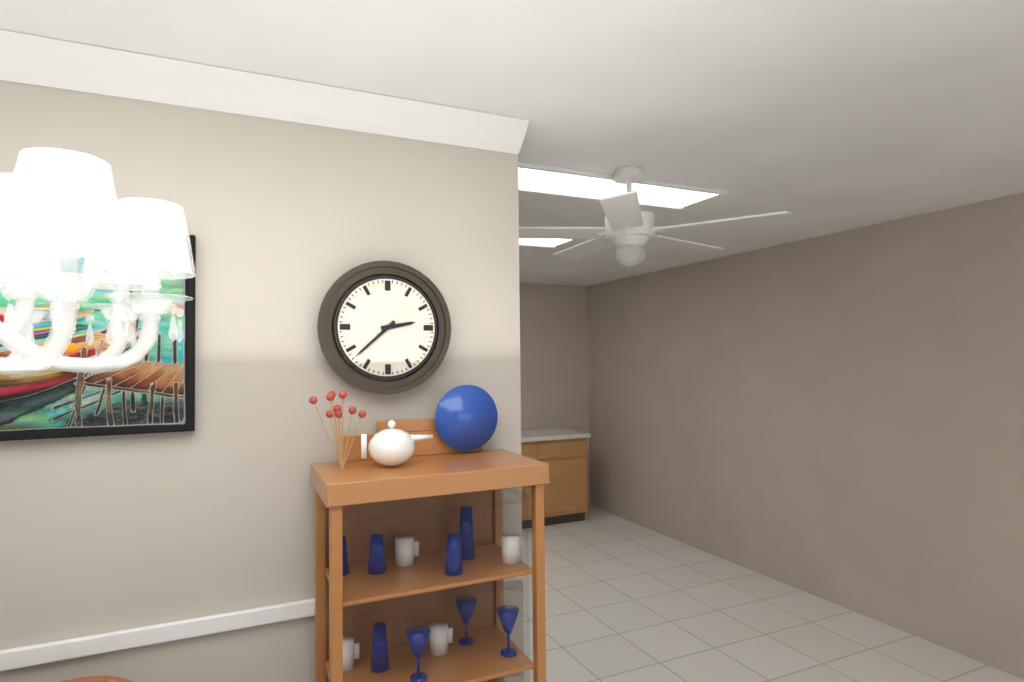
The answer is 2 h 38 min
